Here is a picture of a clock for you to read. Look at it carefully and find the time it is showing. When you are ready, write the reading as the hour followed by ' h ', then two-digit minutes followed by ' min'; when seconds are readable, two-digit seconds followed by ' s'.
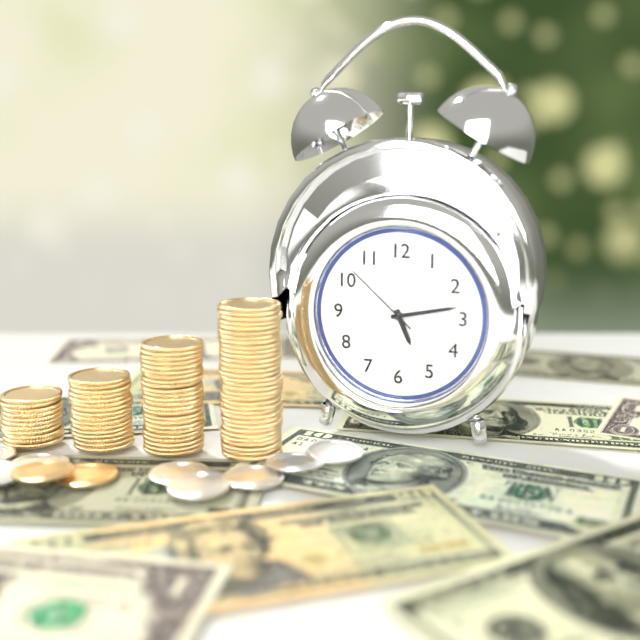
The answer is 5 h 13 min 52 s
